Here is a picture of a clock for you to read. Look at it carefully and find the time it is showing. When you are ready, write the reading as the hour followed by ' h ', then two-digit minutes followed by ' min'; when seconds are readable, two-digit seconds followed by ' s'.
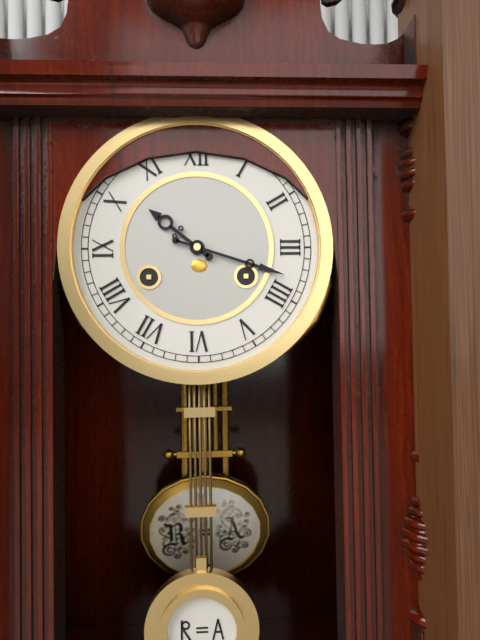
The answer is 10 h 18 min
